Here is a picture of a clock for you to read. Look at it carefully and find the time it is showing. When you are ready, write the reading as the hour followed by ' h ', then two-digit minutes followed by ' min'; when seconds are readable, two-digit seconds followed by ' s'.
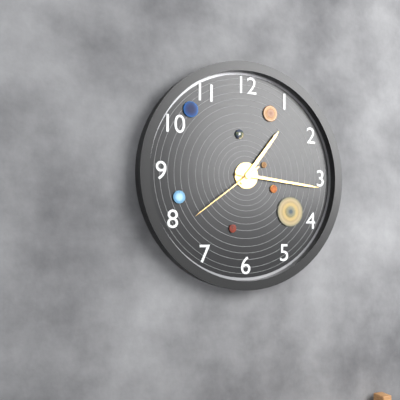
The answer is 1 h 16 min 39 s
